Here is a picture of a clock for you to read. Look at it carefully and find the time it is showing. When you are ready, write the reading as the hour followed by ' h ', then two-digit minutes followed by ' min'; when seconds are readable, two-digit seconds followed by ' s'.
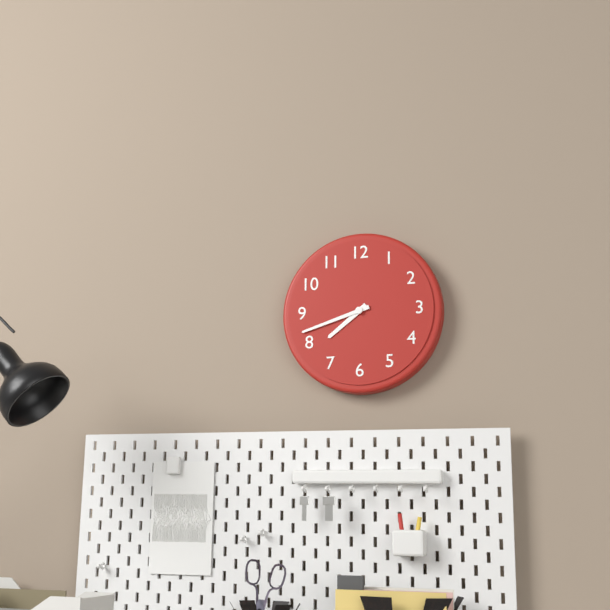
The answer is 7 h 42 min
